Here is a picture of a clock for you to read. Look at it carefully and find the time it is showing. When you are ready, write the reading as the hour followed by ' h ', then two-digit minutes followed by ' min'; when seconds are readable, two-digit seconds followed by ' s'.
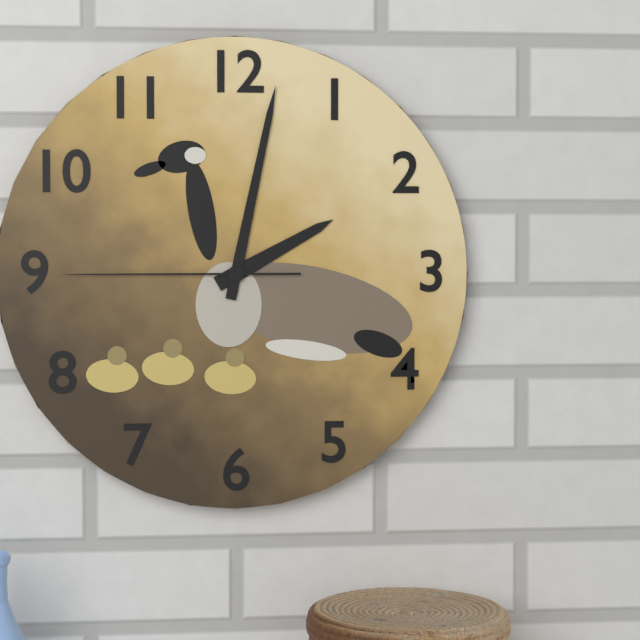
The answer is 2 h 02 min 45 s
